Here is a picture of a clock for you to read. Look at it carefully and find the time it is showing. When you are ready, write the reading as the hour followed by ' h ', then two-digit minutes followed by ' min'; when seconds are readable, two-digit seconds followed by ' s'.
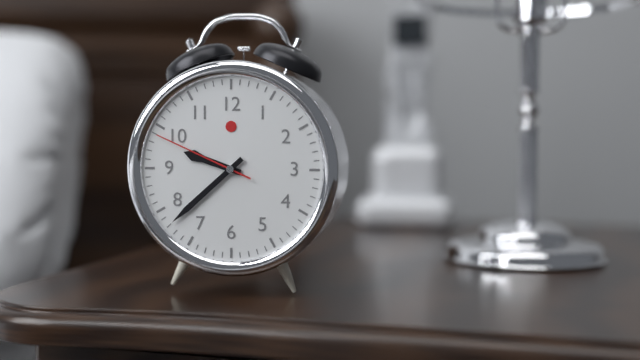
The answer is 9 h 38 min 49 s
